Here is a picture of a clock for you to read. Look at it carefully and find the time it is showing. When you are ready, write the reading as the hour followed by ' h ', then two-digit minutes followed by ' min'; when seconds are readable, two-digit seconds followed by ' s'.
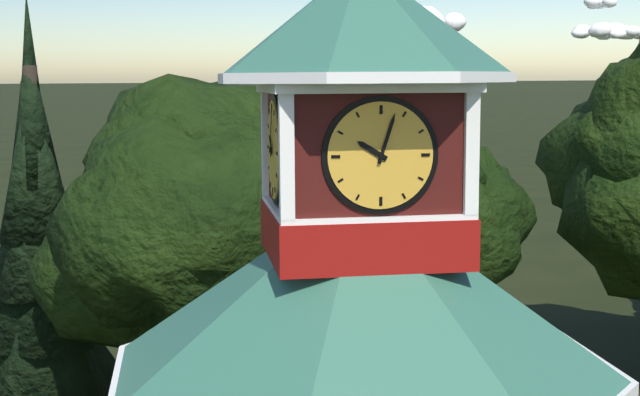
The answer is 10 h 03 min
